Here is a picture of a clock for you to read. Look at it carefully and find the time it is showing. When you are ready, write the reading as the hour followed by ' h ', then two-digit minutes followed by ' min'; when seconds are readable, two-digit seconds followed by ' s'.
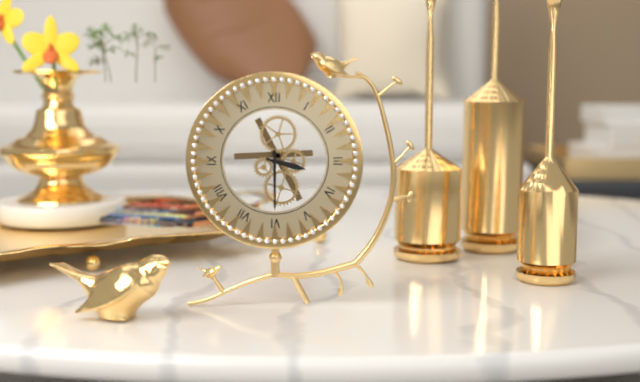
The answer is 3 h 30 min
